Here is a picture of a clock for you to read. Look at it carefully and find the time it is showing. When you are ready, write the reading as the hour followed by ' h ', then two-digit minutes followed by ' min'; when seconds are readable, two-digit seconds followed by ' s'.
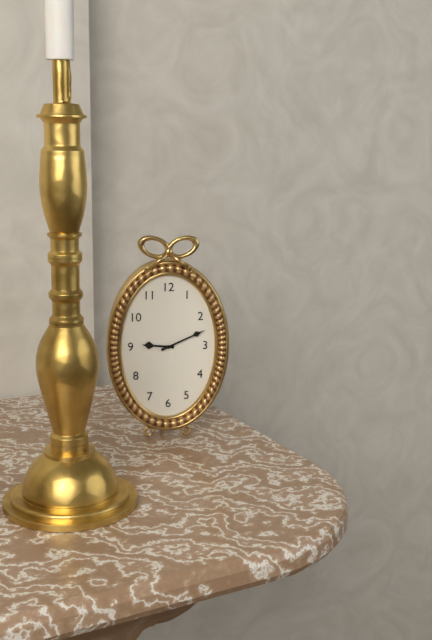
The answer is 9 h 11 min
